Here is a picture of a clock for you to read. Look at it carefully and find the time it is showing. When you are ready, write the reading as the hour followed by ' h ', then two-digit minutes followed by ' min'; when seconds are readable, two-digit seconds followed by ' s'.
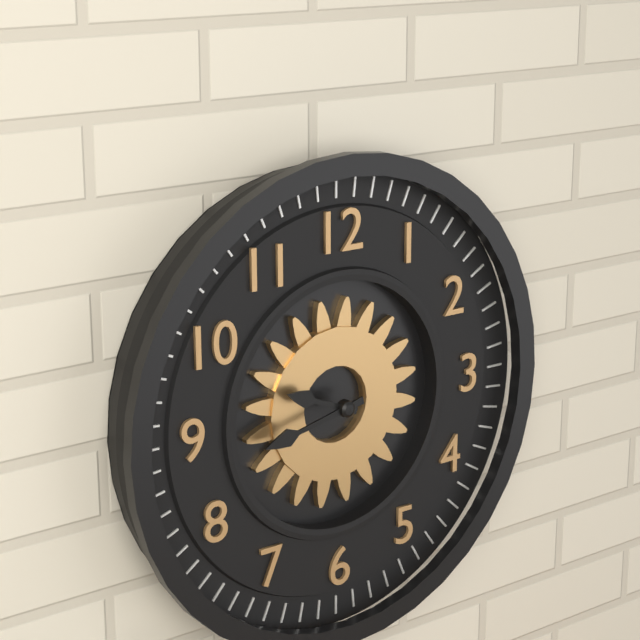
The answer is 9 h 43 min
